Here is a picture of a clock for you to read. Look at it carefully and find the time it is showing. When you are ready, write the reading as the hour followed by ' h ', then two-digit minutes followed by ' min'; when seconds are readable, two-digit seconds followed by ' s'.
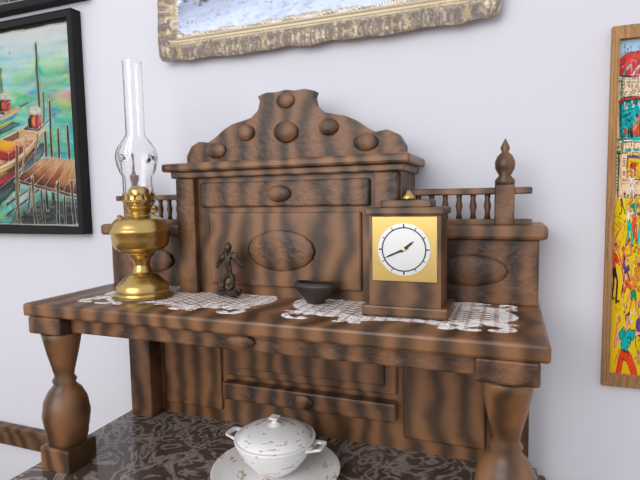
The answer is 1 h 41 min
